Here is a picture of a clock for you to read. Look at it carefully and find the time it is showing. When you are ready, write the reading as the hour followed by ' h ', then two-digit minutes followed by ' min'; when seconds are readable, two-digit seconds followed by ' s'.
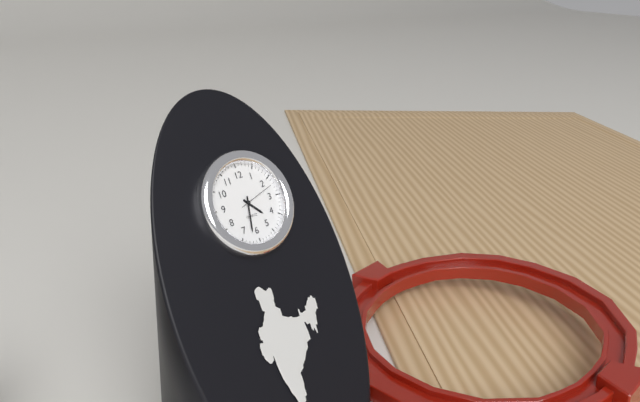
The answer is 4 h 32 min
